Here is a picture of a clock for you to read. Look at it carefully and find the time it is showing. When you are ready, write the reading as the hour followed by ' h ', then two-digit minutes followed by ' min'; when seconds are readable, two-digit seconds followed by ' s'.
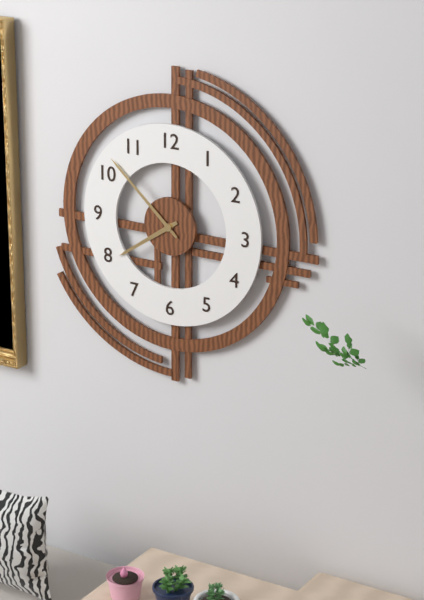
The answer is 7 h 52 min
